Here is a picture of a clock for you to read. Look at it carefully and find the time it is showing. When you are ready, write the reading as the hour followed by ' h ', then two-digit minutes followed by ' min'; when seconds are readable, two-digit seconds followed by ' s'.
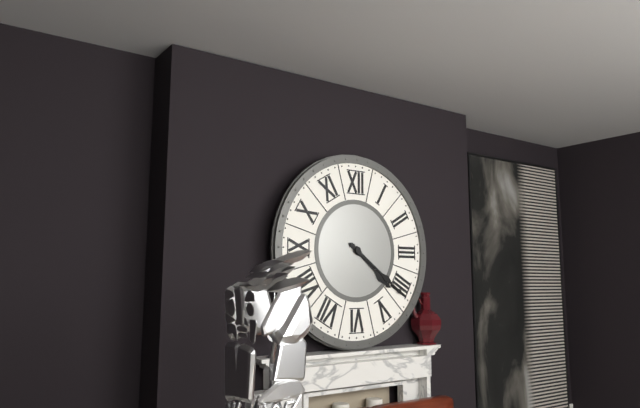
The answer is 4 h 21 min
